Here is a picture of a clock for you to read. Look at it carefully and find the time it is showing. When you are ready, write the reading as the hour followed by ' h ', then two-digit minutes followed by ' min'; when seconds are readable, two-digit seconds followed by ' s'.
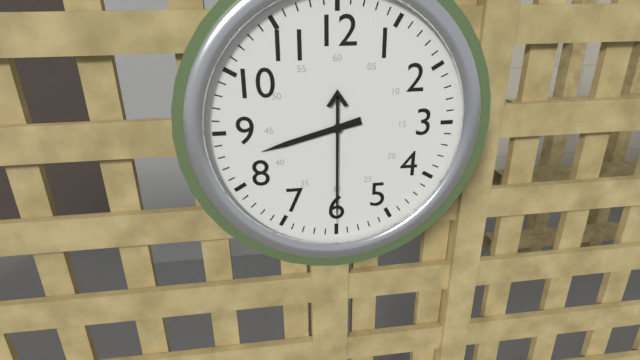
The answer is 8 h 30 min
